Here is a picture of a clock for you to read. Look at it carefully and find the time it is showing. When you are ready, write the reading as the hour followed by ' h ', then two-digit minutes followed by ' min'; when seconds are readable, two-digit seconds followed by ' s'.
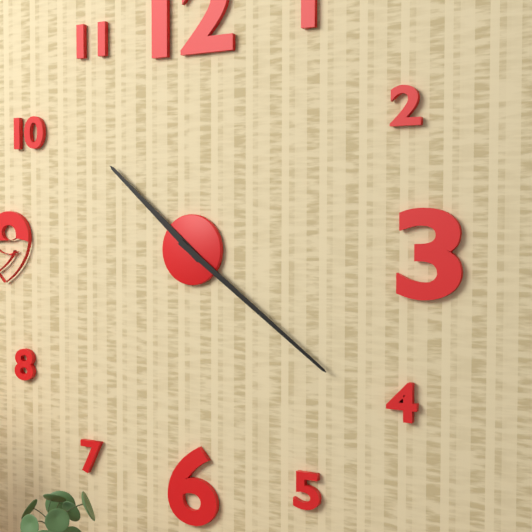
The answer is 10 h 21 min
